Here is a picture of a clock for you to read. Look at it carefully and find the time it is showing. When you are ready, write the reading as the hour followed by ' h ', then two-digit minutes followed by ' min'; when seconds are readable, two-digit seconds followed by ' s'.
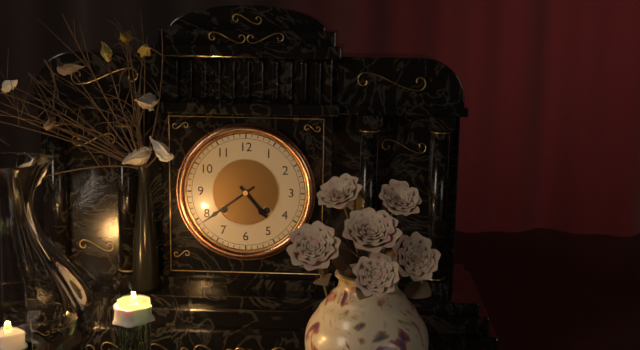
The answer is 4 h 39 min
